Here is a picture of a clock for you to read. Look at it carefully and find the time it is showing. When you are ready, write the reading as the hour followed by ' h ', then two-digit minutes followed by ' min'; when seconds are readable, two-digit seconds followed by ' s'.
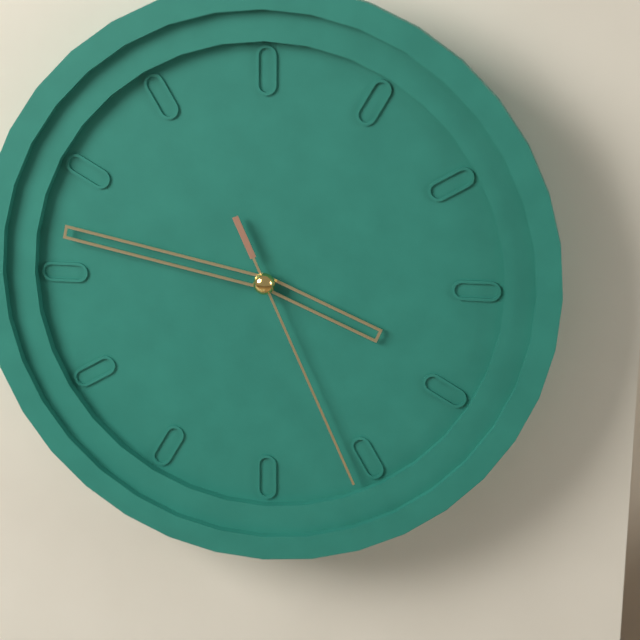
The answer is 3 h 47 min 26 s
